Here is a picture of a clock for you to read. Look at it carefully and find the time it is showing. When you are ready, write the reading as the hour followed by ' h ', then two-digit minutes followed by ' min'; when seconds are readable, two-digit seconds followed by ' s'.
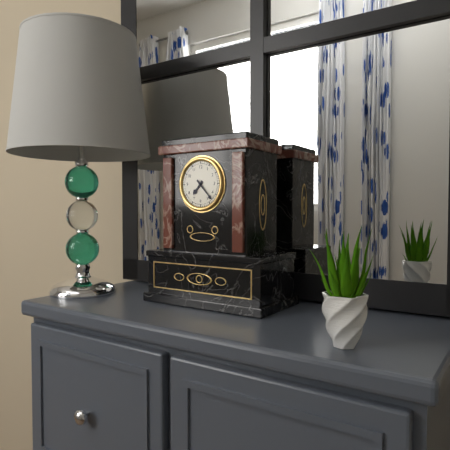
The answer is 7 h 23 min
